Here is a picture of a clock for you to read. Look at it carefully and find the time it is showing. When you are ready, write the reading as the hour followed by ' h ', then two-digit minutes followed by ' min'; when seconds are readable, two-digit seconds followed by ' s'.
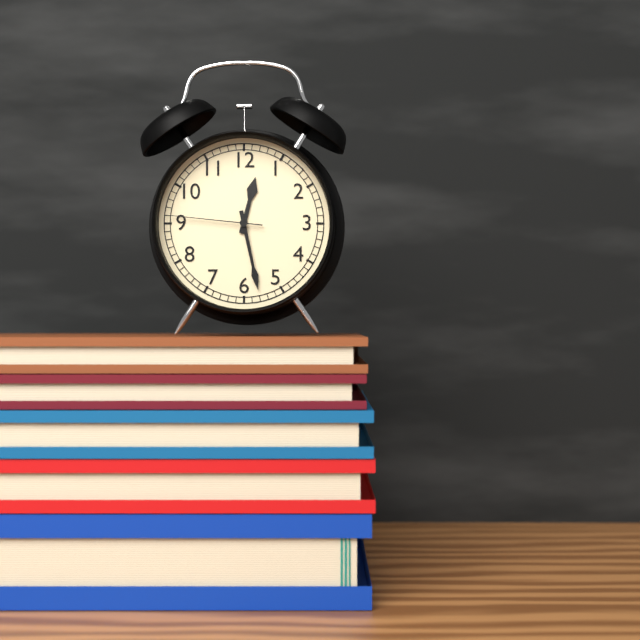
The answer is 12 h 28 min 46 s
